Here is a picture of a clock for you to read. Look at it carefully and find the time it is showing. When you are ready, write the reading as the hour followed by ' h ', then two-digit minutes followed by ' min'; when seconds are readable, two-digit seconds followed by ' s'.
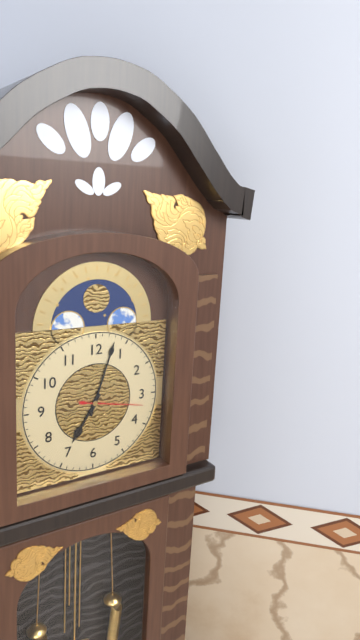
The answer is 7 h 03 min 17 s
